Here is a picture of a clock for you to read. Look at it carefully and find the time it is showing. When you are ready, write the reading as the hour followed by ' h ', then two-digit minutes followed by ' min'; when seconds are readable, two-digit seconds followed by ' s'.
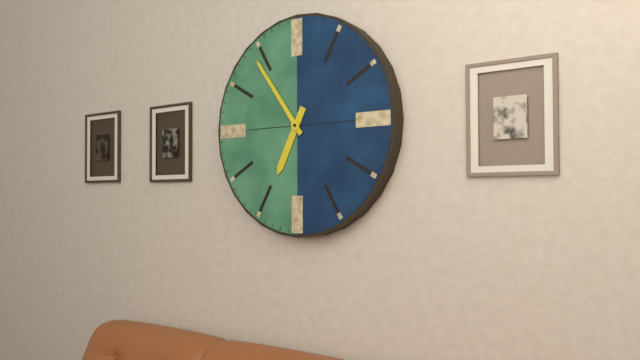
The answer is 6 h 54 min
